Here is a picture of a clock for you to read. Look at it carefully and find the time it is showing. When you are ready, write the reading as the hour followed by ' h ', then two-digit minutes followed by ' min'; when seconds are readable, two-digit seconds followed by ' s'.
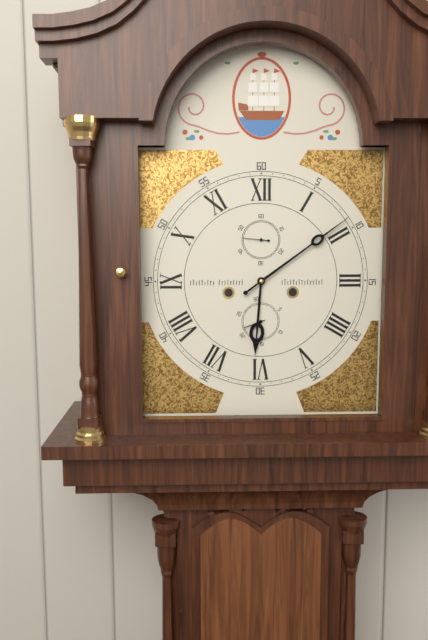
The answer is 6 h 09 min
